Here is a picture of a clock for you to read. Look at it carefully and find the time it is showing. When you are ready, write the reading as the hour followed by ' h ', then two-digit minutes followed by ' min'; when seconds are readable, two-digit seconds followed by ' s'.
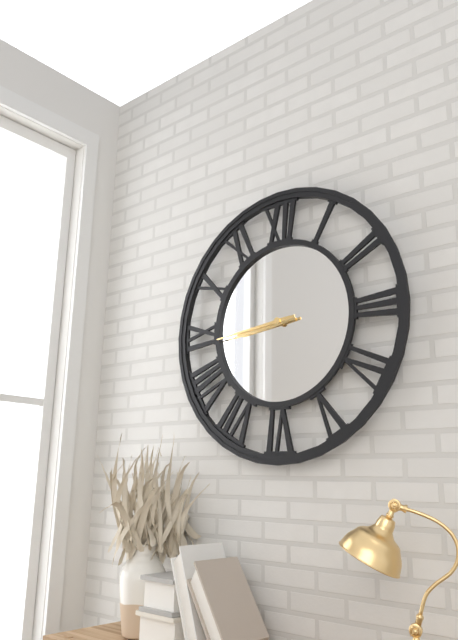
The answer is 8 h 44 min
